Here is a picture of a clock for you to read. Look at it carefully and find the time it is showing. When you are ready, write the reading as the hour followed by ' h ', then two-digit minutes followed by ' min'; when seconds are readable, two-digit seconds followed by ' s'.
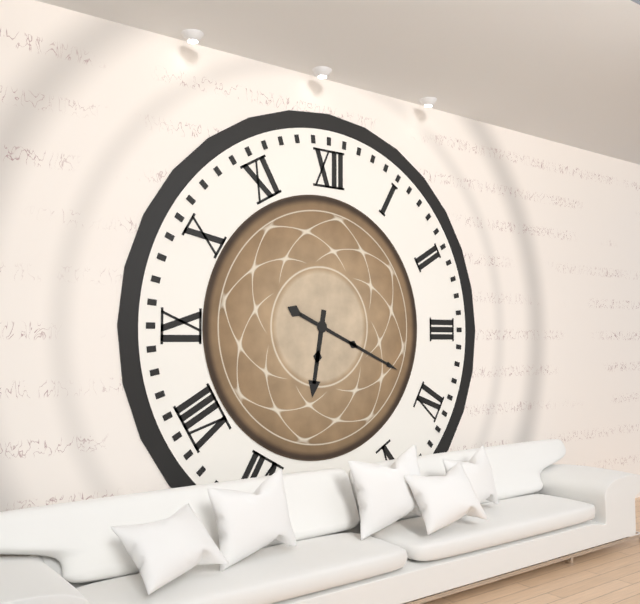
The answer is 6 h 19 min
